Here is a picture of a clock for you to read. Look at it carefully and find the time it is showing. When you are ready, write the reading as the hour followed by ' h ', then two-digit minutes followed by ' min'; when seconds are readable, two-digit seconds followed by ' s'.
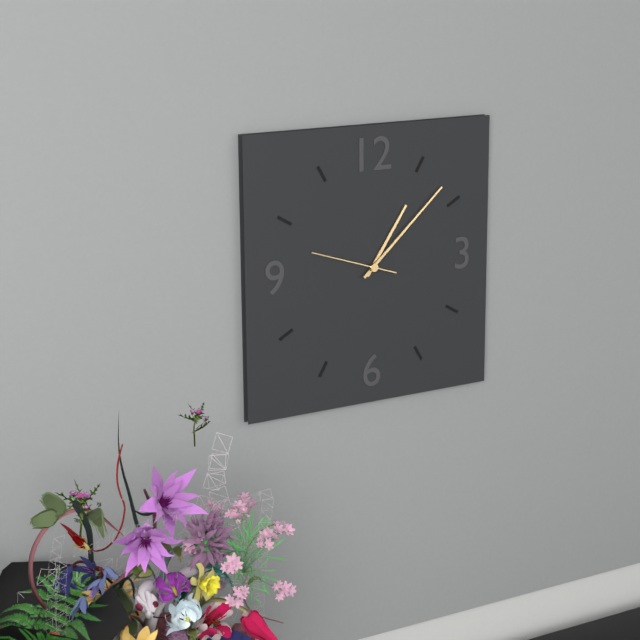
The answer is 1 h 08 min 48 s
